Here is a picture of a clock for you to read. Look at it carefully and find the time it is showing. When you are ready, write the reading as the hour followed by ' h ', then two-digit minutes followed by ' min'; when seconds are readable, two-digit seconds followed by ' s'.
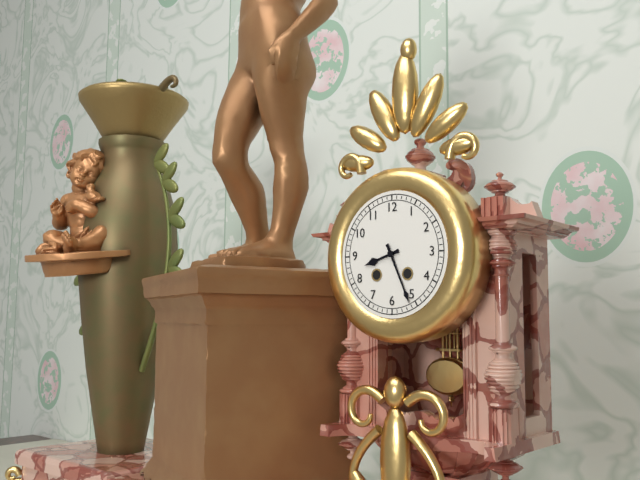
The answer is 8 h 26 min
